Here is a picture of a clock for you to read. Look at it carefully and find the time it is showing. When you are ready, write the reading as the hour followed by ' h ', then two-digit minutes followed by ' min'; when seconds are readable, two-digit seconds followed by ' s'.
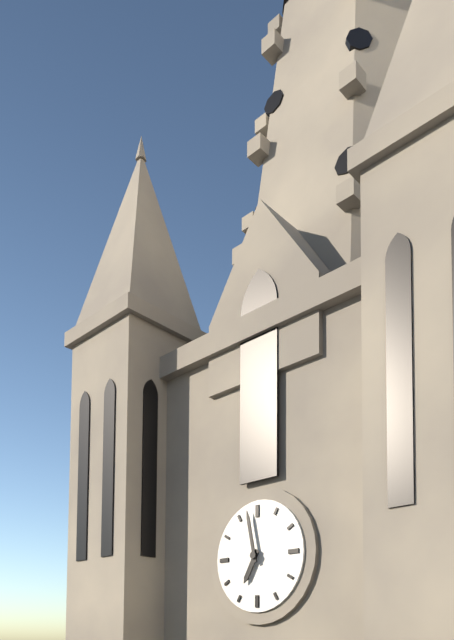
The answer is 6 h 58 min
